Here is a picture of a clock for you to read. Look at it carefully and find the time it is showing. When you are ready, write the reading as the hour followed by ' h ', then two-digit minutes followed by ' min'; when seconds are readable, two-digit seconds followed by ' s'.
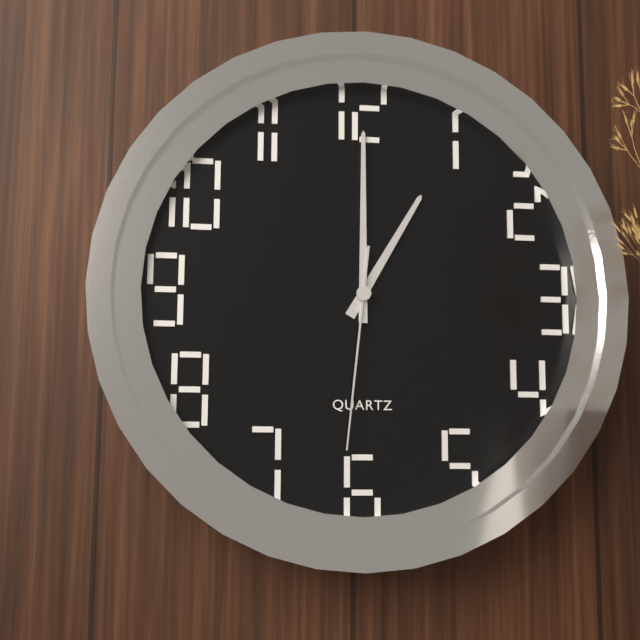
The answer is 1 h 00 min 31 s
